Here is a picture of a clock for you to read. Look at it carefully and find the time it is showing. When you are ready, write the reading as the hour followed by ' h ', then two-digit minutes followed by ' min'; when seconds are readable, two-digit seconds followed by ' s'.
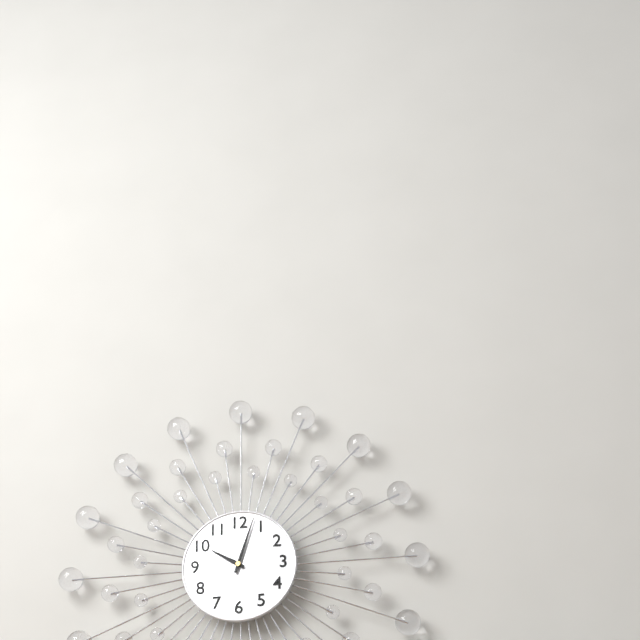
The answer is 10 h 03 min
